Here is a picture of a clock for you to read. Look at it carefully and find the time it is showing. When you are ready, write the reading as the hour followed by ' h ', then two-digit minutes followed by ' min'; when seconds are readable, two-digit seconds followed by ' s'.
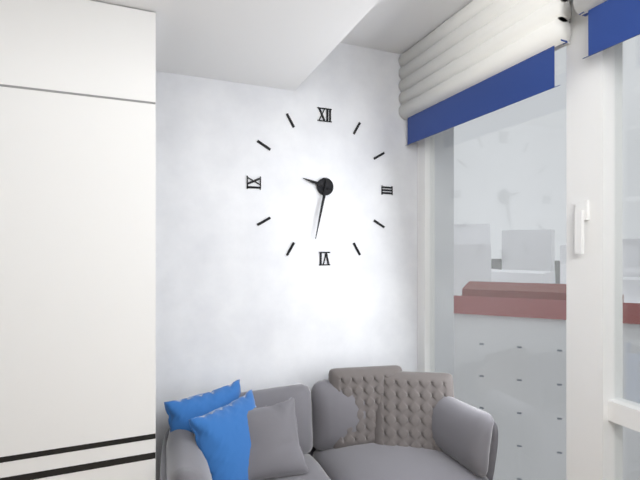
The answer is 9 h 32 min
